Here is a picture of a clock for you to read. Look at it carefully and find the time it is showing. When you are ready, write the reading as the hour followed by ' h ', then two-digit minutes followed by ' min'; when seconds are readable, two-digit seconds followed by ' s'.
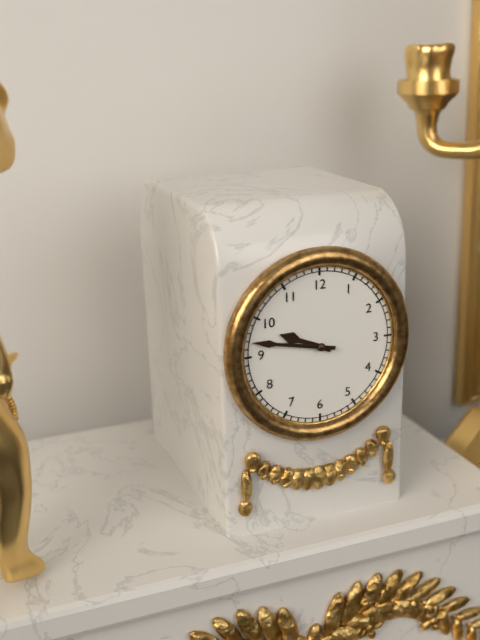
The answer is 9 h 47 min
